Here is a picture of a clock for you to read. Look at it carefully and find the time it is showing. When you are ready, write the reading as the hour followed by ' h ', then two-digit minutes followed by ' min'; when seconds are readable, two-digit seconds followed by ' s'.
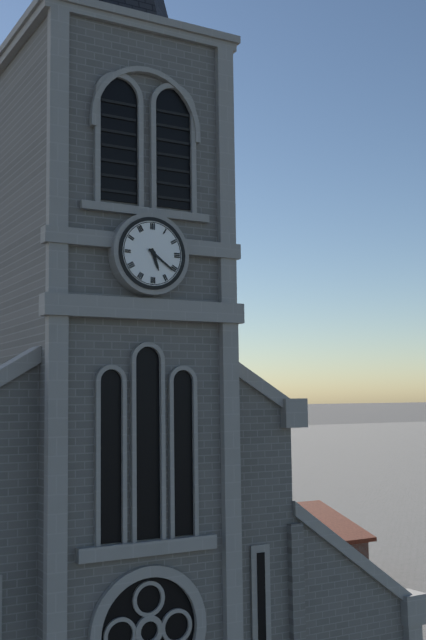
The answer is 5 h 21 min
